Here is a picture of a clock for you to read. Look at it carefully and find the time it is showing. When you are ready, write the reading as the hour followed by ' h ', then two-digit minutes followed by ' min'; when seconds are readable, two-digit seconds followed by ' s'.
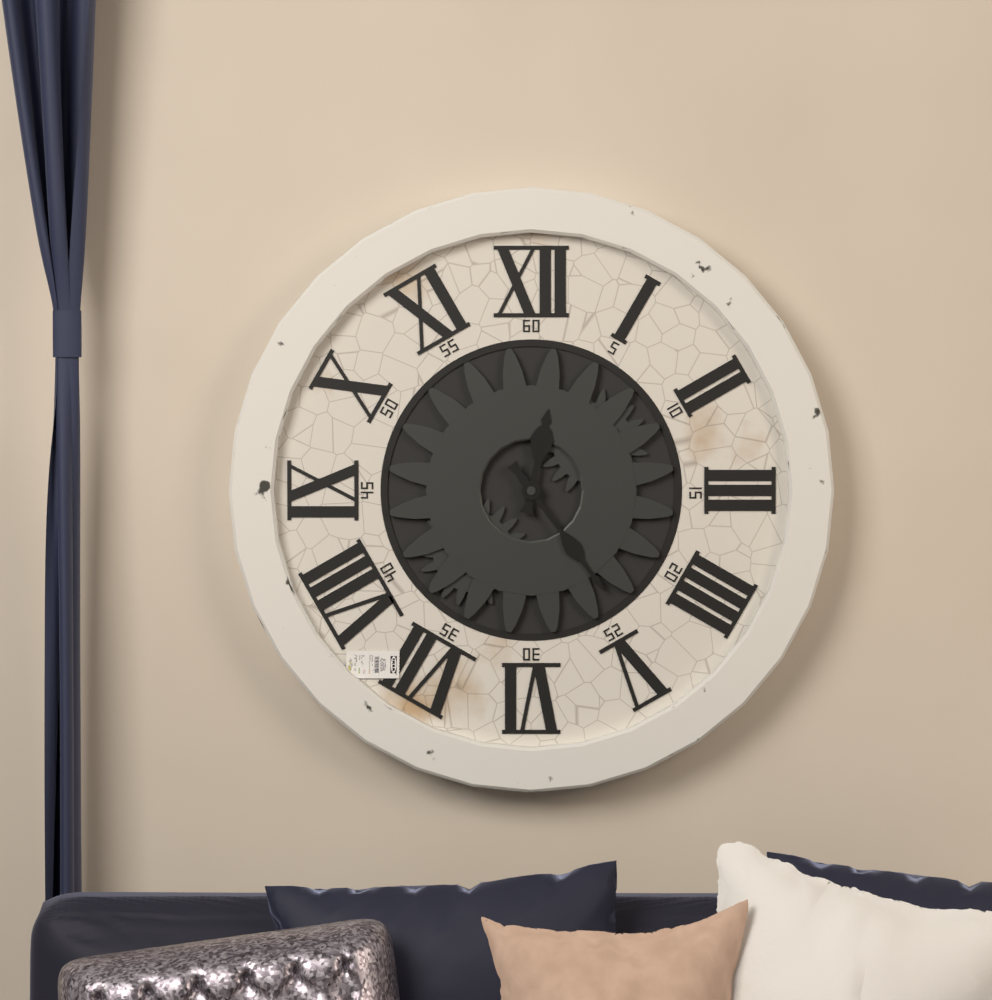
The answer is 12 h 24 min
